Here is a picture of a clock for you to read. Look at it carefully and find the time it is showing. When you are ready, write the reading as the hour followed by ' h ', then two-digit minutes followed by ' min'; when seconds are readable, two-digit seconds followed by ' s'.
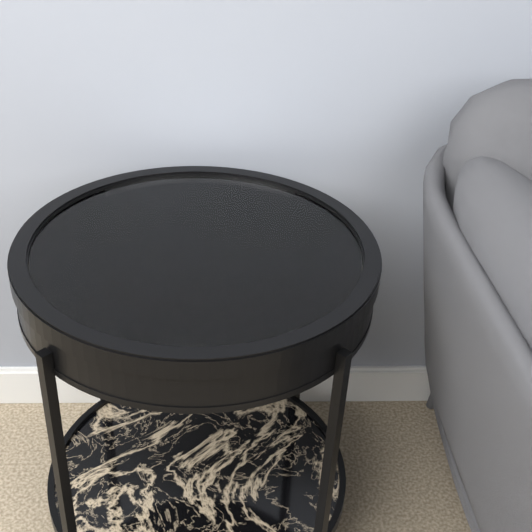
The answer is 9 h 36 min
